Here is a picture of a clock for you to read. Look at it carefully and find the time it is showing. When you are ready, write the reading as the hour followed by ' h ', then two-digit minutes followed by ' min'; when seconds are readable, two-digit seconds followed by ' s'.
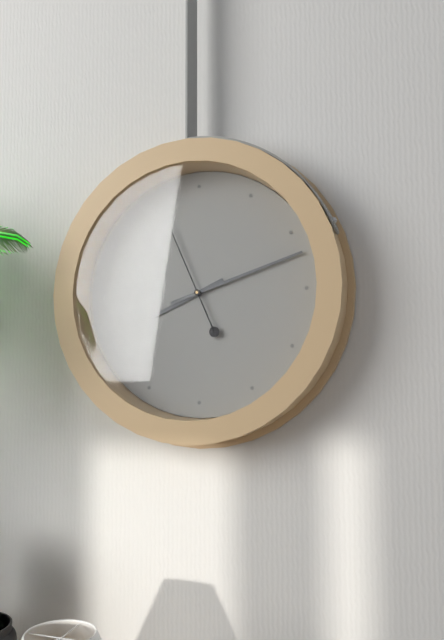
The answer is 8 h 12 min 56 s
